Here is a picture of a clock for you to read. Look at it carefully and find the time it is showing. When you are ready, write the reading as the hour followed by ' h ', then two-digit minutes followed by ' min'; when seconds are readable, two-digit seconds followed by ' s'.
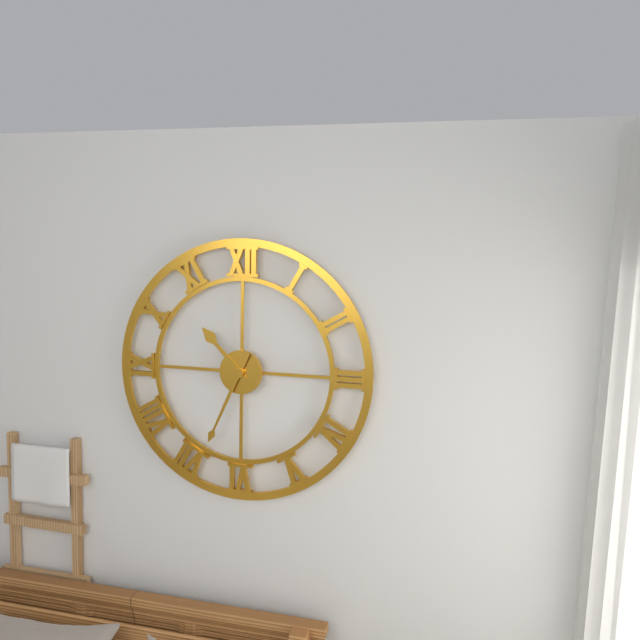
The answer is 10 h 34 min
